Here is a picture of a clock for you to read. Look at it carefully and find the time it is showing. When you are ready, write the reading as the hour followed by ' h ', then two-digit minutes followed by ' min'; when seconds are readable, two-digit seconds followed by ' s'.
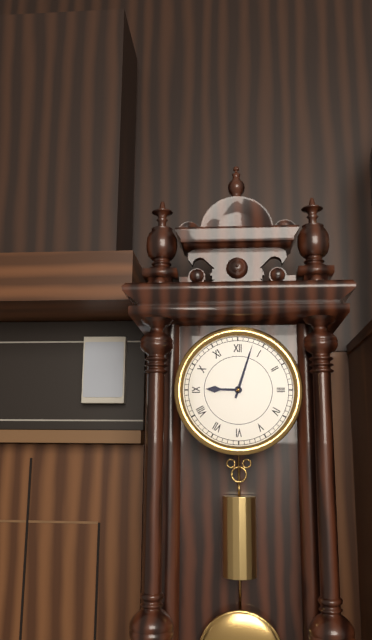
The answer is 9 h 03 min
